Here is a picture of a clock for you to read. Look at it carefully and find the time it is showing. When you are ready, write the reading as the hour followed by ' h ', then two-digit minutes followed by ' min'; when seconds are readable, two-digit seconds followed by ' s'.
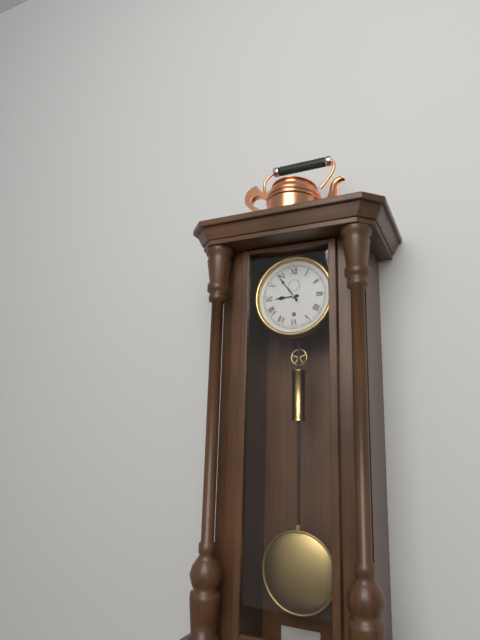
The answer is 8 h 54 min
